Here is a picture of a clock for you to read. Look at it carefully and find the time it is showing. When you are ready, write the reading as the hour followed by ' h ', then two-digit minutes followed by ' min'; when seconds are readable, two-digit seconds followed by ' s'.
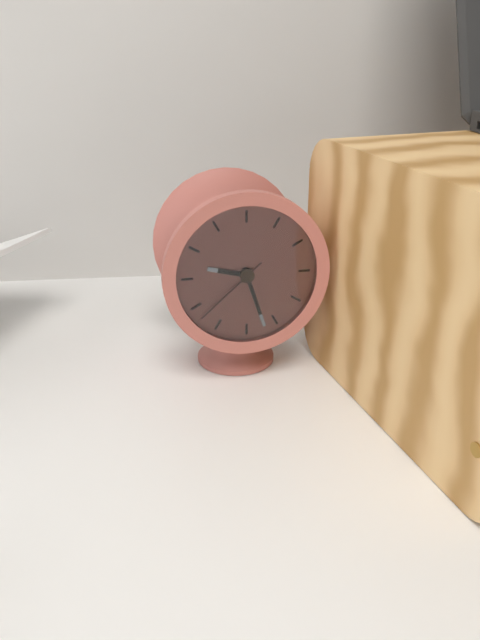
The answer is 9 h 27 min 38 s
